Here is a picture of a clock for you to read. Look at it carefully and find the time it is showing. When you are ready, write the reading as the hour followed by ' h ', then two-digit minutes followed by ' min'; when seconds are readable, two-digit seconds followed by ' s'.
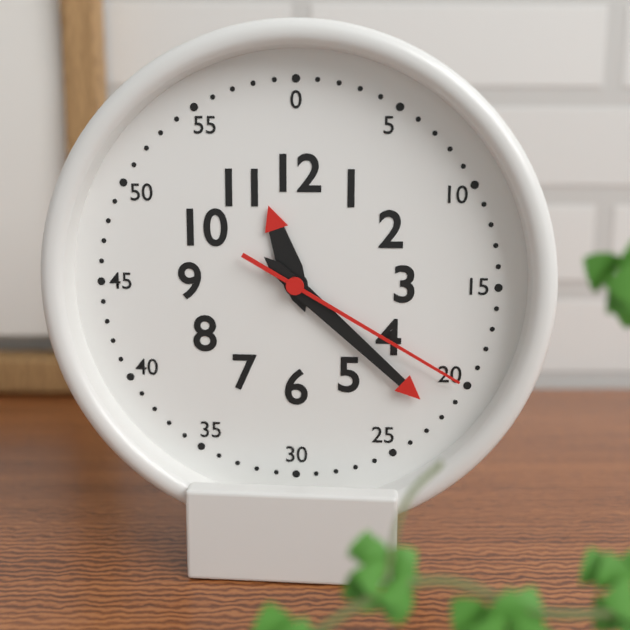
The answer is 11 h 22 min 20 s
